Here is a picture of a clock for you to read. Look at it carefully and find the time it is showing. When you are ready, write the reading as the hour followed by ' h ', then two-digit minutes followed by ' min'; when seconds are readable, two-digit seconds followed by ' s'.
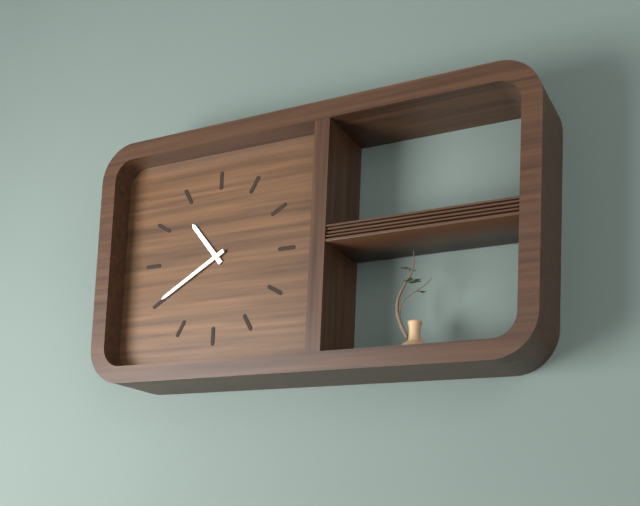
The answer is 10 h 40 min
